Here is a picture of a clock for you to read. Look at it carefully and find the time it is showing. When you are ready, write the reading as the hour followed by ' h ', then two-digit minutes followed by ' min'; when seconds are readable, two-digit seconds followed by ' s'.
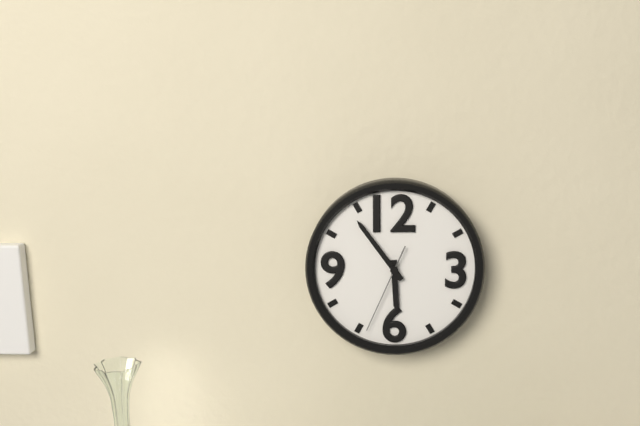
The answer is 5 h 54 min 34 s
